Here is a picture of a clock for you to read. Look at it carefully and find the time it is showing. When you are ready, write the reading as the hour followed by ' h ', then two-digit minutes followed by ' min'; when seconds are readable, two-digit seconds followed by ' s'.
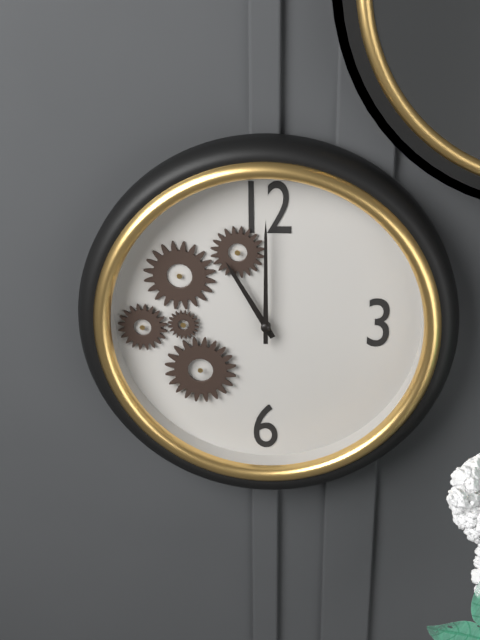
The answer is 11 h 00 min
